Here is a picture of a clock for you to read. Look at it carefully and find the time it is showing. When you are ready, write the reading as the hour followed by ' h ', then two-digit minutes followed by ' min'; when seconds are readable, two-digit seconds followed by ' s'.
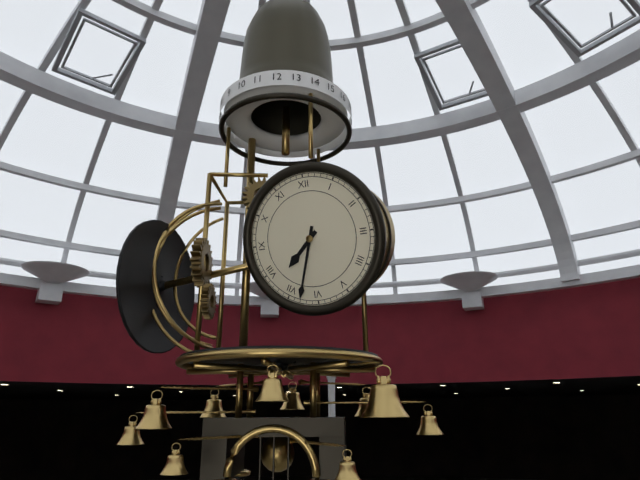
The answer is 7 h 33 min
